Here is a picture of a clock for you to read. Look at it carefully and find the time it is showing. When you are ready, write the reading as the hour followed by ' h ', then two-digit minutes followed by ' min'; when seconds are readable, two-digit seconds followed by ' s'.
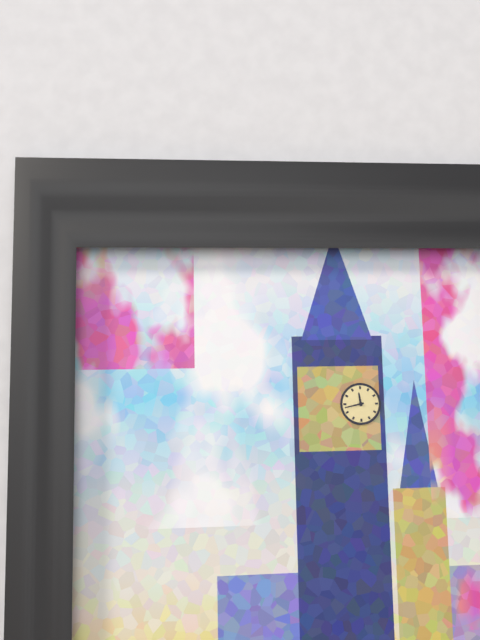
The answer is 11 h 43 min
